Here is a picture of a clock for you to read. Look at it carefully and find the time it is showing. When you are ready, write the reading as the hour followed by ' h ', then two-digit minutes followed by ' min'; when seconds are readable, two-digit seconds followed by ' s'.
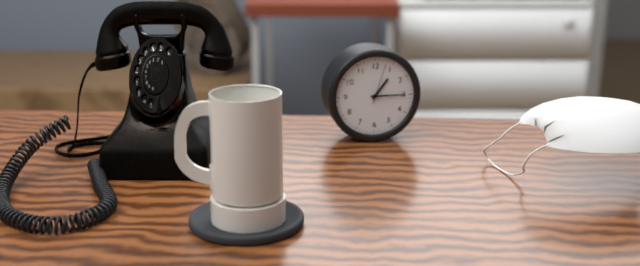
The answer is 1 h 15 min
